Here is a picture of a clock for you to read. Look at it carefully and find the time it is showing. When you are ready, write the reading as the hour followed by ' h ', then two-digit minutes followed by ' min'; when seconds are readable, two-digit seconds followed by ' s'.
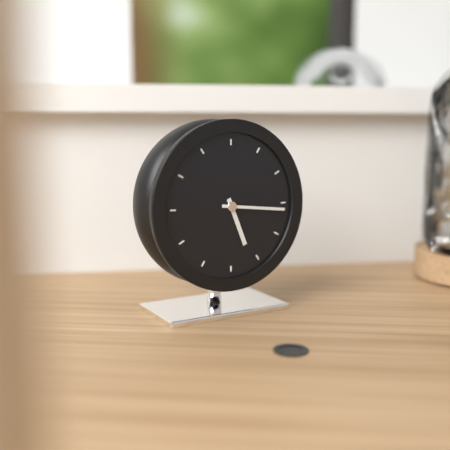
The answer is 5 h 16 min
